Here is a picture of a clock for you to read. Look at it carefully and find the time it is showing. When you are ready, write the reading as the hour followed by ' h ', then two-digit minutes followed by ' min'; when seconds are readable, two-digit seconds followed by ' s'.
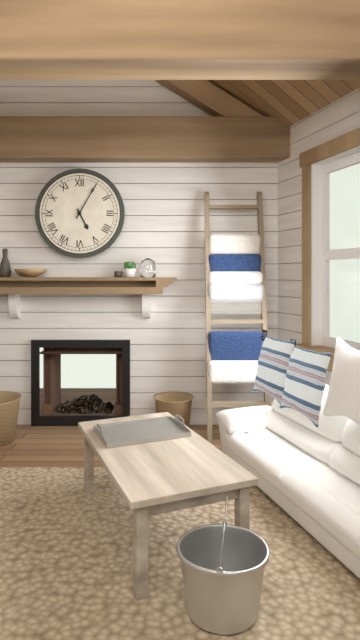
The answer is 5 h 05 min
